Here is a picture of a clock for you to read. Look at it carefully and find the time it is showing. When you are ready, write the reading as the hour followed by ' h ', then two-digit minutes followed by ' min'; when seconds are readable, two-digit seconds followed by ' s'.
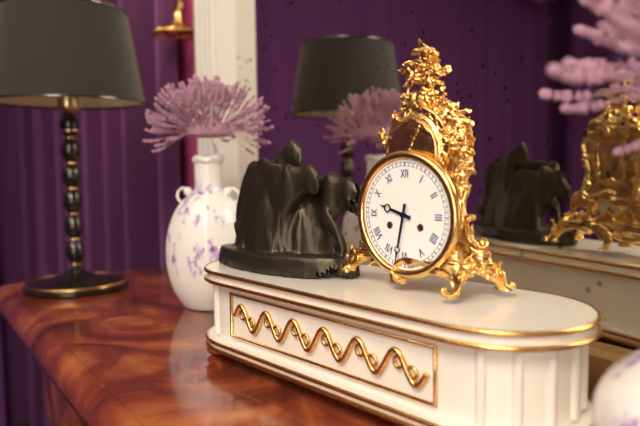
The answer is 9 h 32 min
